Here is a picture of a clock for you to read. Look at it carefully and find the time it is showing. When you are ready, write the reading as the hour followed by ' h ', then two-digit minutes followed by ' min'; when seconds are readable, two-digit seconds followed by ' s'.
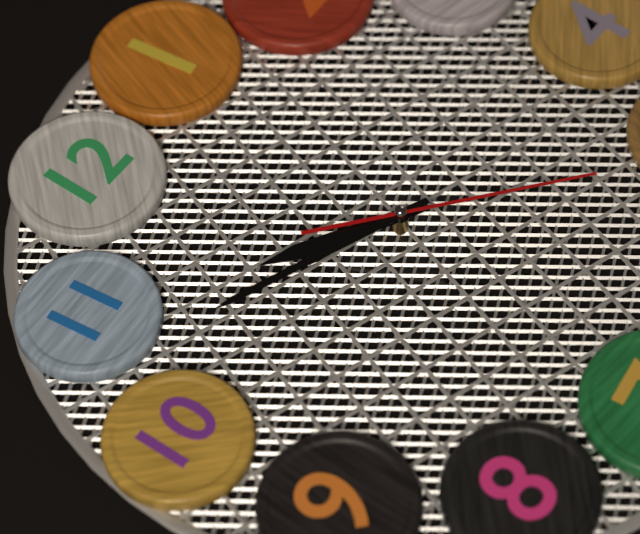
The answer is 10 h 53 min 26 s
